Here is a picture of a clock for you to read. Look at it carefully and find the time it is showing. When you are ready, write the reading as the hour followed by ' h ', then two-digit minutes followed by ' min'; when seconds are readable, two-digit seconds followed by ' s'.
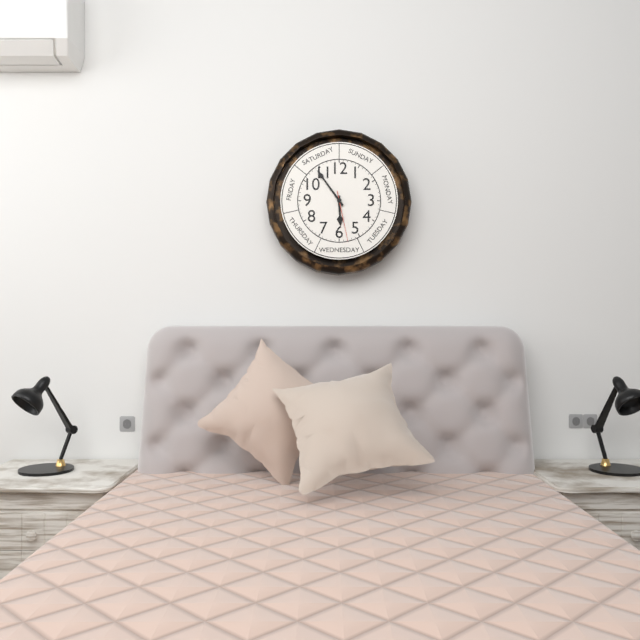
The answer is 5 h 54 min 28 s
